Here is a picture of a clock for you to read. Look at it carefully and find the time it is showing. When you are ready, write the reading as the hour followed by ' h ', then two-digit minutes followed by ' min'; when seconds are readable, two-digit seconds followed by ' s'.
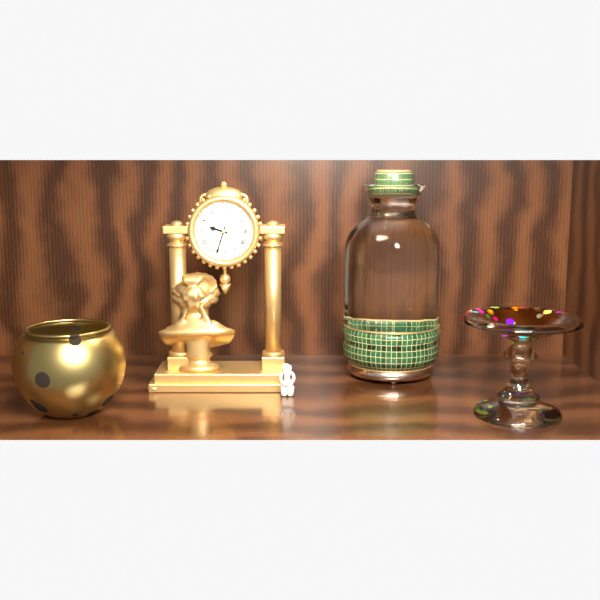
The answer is 9 h 33 min
